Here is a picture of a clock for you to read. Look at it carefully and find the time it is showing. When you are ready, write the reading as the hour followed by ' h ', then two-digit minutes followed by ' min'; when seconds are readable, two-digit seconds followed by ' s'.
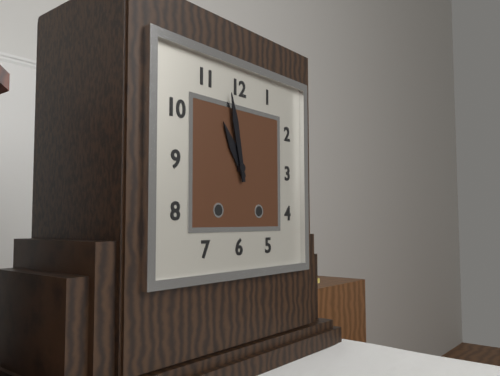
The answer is 10 h 58 min
